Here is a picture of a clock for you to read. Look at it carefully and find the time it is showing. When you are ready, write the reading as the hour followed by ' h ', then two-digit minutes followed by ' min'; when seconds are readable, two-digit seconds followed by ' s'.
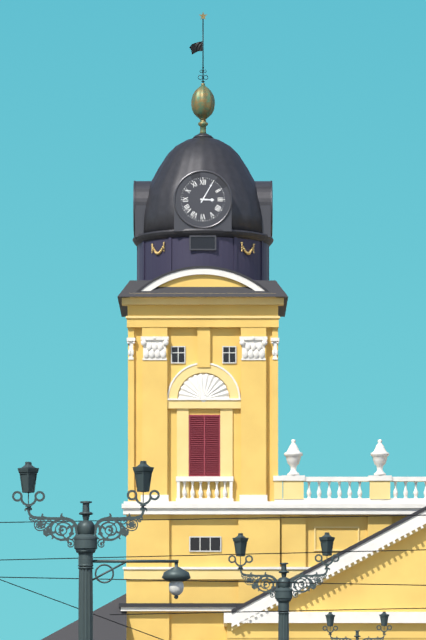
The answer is 3 h 05 min
